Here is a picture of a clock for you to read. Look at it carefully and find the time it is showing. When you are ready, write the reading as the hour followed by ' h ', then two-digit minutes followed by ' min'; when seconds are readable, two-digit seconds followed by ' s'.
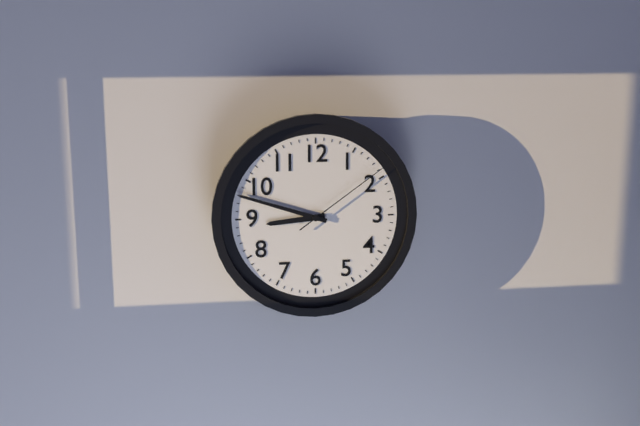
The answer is 8 h 48 min 09 s
